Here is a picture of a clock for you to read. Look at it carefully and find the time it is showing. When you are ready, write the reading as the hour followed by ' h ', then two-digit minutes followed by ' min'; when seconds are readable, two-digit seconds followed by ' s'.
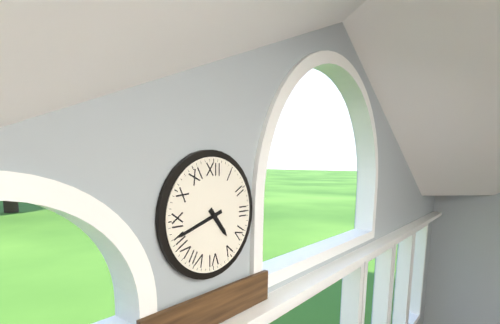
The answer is 4 h 42 min
